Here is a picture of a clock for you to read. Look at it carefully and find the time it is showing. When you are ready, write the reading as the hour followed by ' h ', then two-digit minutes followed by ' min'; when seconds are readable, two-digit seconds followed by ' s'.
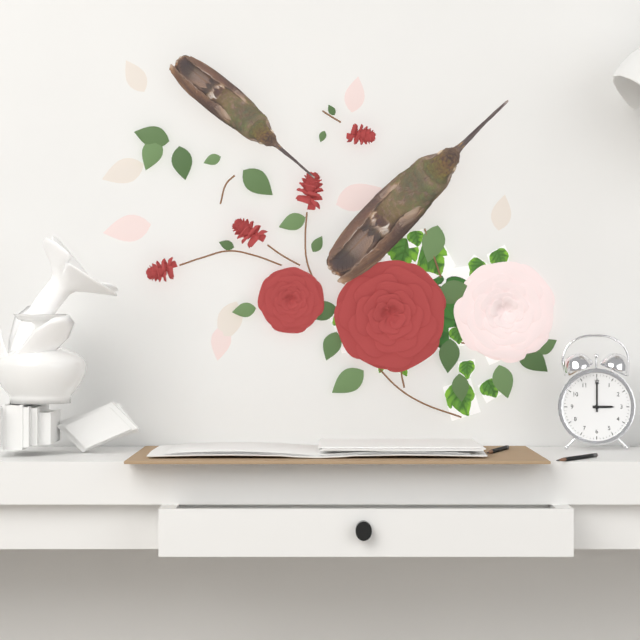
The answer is 3 h 00 min
